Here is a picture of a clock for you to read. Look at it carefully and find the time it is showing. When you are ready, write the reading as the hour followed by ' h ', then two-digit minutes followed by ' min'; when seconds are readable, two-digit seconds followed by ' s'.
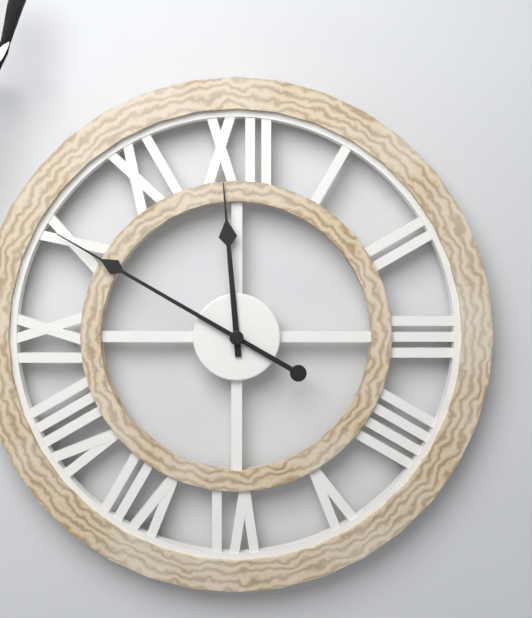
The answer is 11 h 50 min
